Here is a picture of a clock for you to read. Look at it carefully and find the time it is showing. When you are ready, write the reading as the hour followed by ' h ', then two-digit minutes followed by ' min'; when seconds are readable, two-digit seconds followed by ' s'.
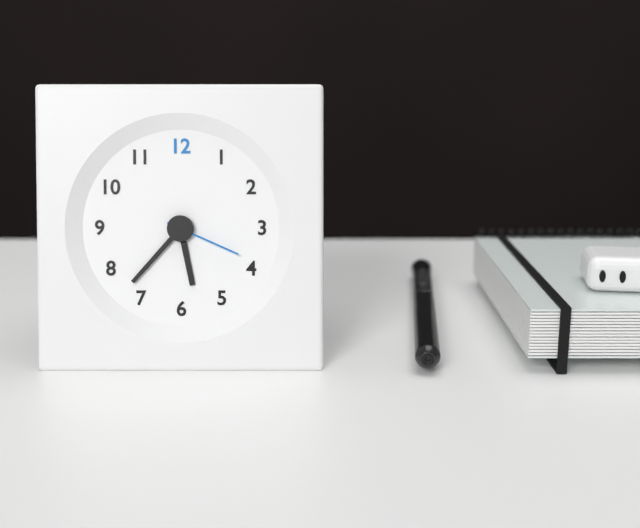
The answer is 5 h 37 min 19 s
